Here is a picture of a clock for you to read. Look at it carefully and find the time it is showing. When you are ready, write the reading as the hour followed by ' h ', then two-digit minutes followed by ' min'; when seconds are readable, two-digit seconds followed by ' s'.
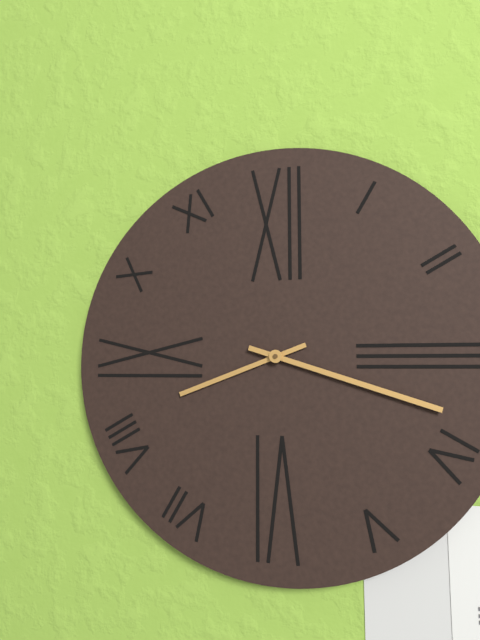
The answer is 8 h 18 min
